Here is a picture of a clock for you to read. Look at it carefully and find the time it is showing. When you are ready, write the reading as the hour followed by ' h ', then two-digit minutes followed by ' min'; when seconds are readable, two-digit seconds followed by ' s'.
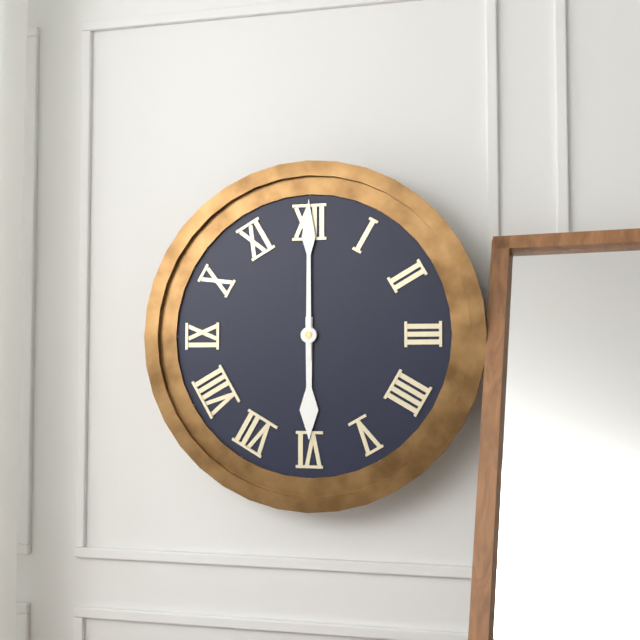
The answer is 6 h 00 min
